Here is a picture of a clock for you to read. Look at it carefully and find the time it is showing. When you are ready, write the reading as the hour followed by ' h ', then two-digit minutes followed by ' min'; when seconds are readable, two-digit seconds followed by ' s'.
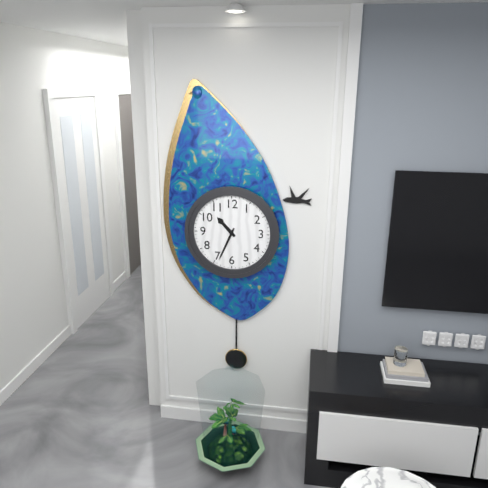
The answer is 10 h 34 min
